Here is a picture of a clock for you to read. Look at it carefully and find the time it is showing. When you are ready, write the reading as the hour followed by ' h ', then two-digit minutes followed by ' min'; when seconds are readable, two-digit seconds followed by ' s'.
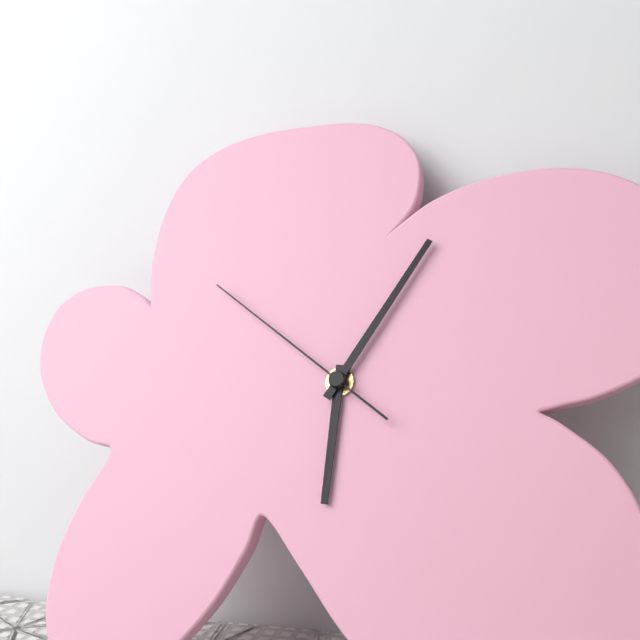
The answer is 6 h 05 min 51 s
